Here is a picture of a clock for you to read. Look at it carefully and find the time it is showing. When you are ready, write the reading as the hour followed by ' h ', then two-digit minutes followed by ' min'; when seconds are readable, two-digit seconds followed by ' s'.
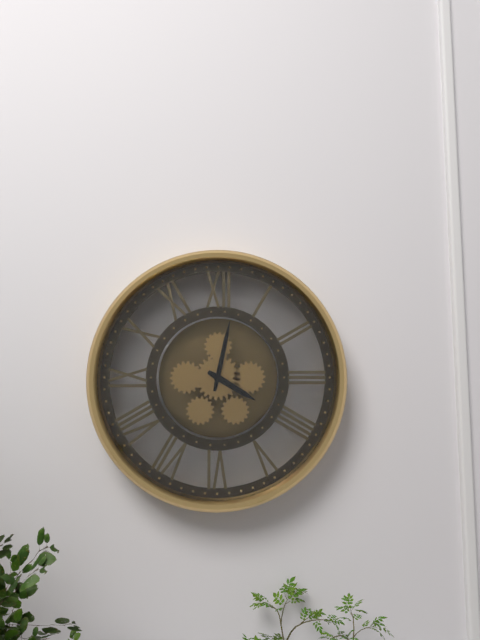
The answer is 4 h 02 min
